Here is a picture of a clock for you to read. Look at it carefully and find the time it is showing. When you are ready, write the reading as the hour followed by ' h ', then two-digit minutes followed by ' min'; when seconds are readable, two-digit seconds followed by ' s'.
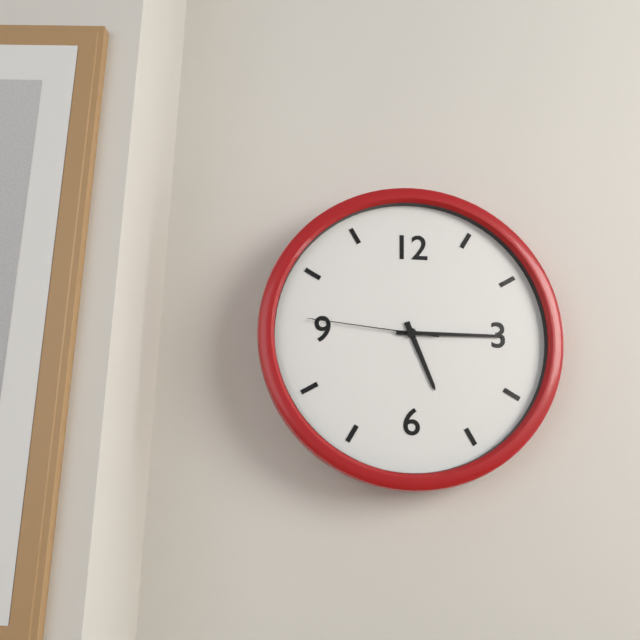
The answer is 5 h 15 min 46 s
